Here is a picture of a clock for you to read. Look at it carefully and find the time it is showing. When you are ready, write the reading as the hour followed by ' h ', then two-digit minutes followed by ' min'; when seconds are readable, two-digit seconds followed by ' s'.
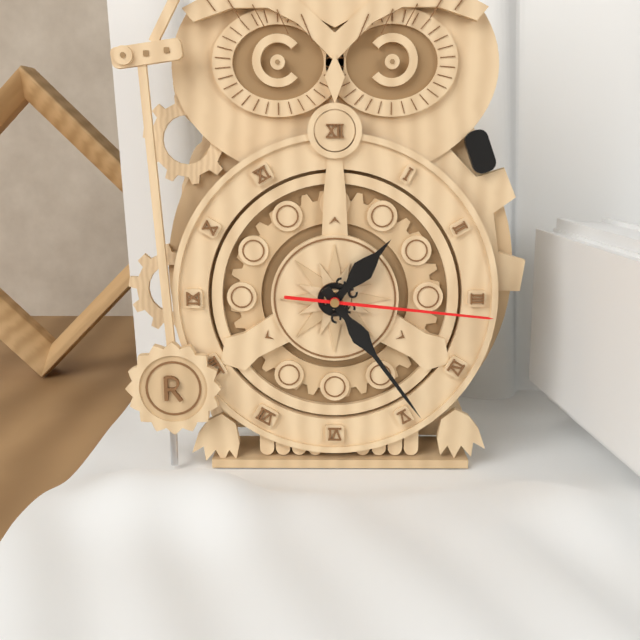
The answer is 1 h 24 min 16 s
